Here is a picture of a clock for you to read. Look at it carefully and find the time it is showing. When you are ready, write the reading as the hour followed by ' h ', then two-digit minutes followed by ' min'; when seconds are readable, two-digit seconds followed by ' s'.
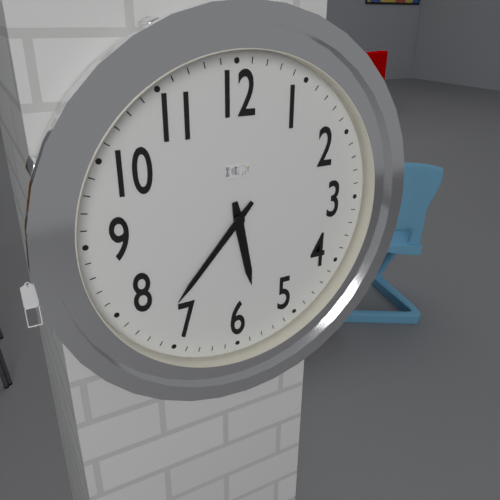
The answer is 5 h 37 min
